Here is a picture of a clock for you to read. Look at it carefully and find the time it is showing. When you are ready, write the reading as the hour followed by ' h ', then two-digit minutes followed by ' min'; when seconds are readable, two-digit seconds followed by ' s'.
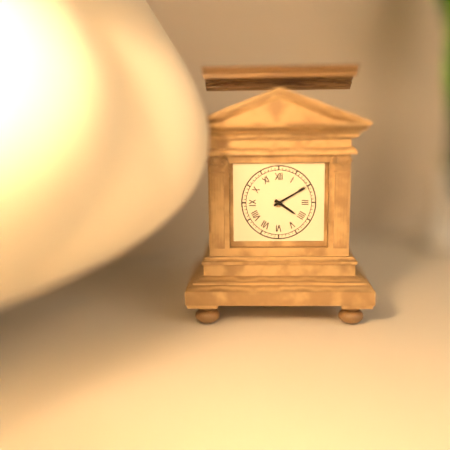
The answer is 4 h 10 min
